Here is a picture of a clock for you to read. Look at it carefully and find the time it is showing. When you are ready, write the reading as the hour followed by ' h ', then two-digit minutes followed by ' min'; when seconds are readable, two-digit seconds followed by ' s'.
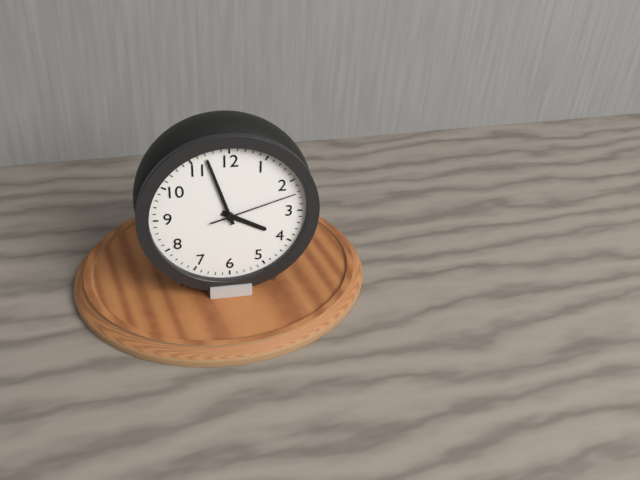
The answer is 3 h 57 min 12 s
